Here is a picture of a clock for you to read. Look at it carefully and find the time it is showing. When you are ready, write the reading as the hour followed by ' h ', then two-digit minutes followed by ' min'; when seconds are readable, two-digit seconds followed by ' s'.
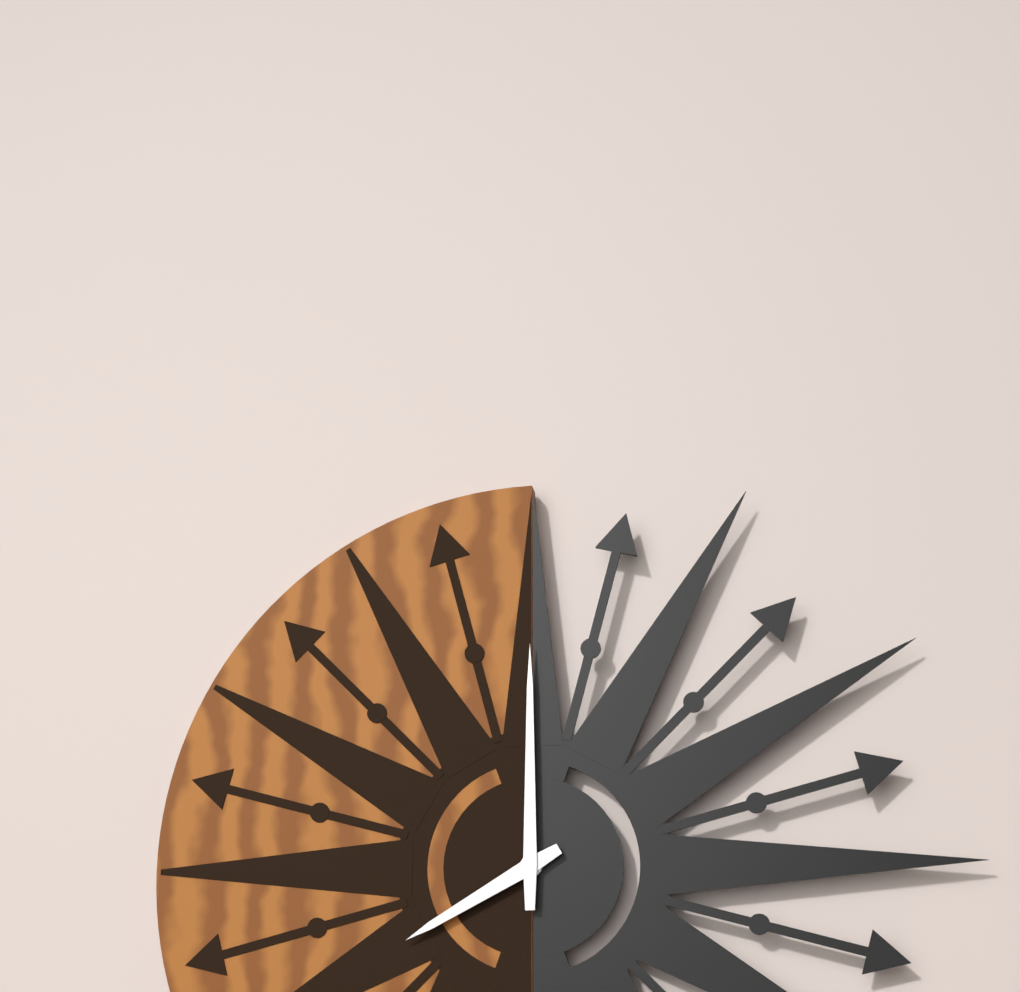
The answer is 8 h 00 min
